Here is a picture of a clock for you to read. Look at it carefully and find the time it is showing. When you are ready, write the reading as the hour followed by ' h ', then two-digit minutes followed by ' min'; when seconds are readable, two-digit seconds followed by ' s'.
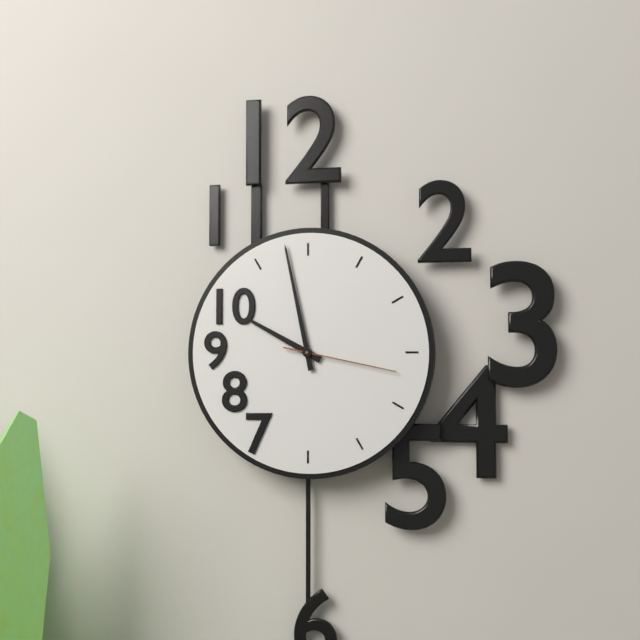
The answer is 9 h 58 min 17 s
